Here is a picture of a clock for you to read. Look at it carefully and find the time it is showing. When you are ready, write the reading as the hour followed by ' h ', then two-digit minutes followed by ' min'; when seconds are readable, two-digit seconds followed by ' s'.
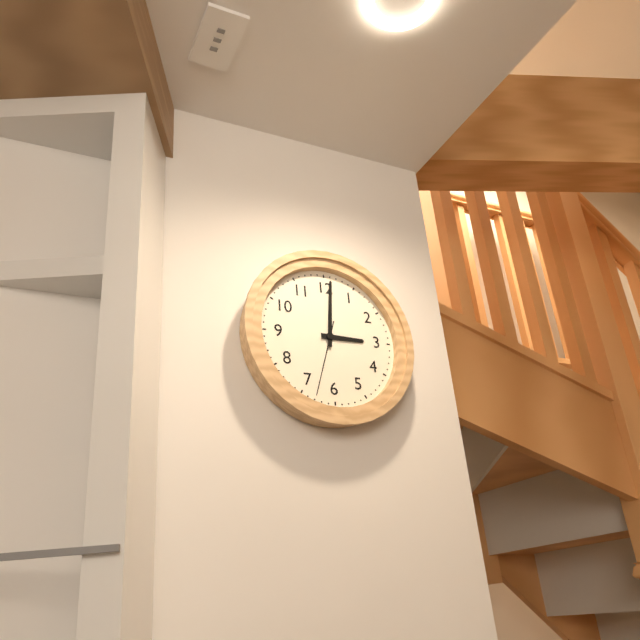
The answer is 3 h 01 min 33 s
